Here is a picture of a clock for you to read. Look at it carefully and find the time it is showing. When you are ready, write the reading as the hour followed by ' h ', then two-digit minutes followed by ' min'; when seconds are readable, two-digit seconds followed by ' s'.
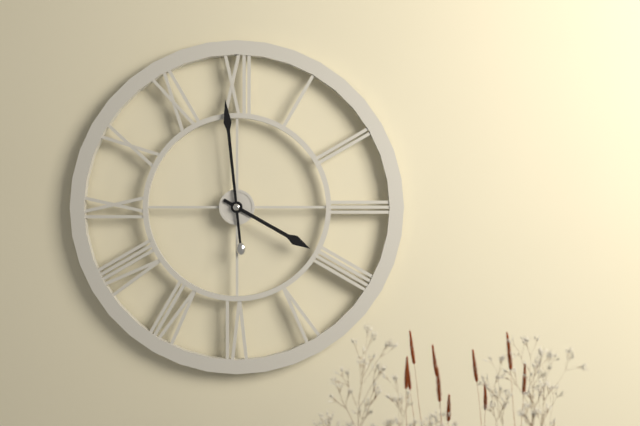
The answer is 3 h 59 min
